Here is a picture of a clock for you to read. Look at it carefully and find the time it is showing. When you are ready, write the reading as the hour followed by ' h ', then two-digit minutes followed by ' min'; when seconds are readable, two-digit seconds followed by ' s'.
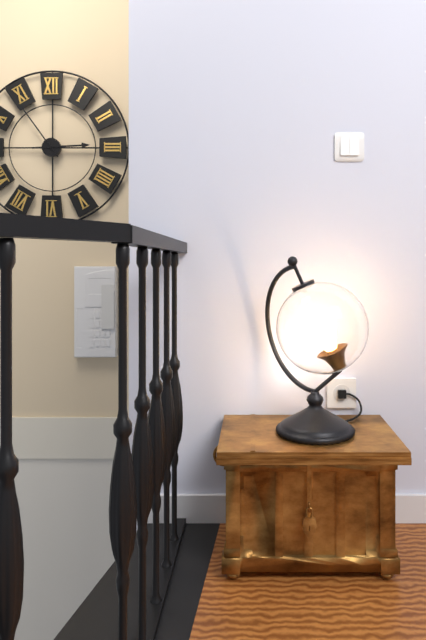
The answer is 2 h 54 min
